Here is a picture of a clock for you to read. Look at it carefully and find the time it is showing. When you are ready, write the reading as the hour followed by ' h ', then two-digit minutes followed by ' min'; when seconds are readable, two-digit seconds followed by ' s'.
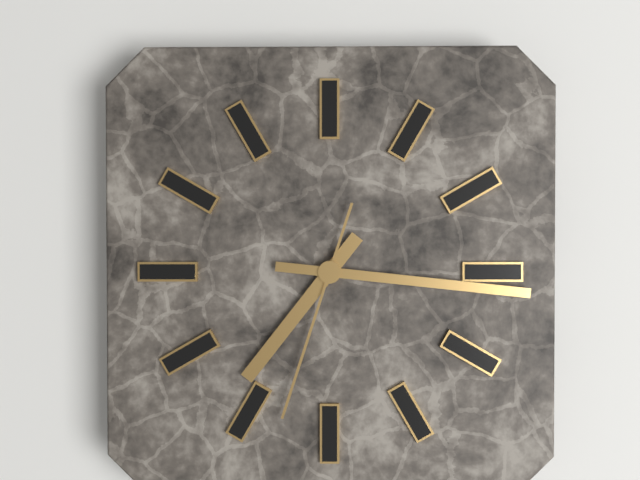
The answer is 7 h 16 min 33 s
